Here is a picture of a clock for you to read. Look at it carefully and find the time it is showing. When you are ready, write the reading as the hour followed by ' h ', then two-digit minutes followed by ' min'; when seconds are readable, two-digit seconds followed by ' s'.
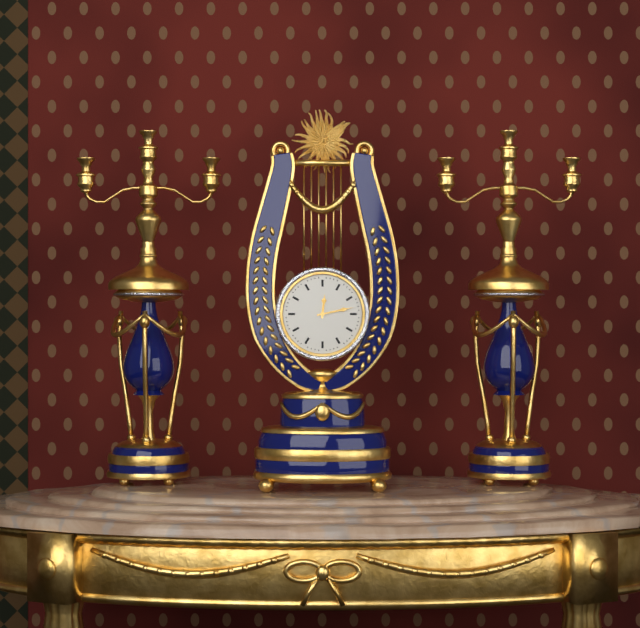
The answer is 12 h 13 min
